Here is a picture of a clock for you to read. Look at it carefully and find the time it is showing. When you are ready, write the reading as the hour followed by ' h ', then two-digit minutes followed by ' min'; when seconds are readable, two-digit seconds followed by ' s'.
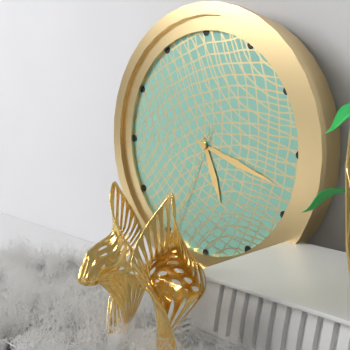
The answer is 5 h 18 min 34 s
